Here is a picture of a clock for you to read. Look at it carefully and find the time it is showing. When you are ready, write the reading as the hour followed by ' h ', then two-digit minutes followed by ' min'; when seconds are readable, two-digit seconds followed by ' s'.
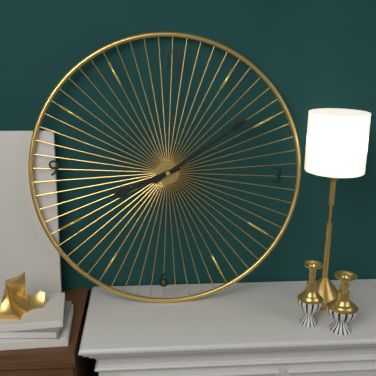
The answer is 8 h 09 min
